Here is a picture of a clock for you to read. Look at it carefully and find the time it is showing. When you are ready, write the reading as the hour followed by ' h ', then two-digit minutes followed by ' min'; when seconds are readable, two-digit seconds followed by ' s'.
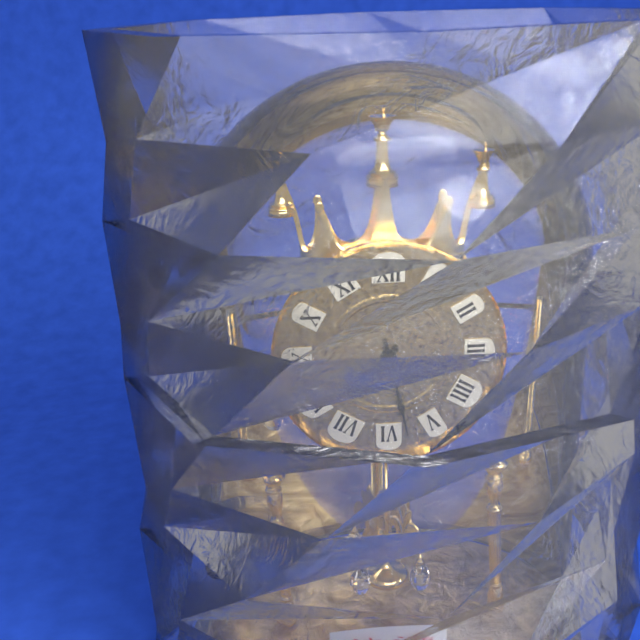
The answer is 7 h 28 min
